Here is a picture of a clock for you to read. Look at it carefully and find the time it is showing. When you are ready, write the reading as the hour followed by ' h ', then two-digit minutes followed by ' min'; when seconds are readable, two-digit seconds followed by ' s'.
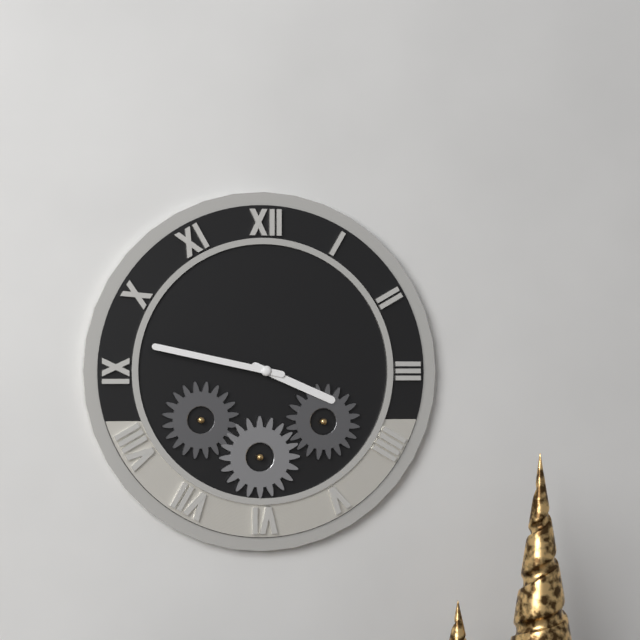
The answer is 3 h 47 min
